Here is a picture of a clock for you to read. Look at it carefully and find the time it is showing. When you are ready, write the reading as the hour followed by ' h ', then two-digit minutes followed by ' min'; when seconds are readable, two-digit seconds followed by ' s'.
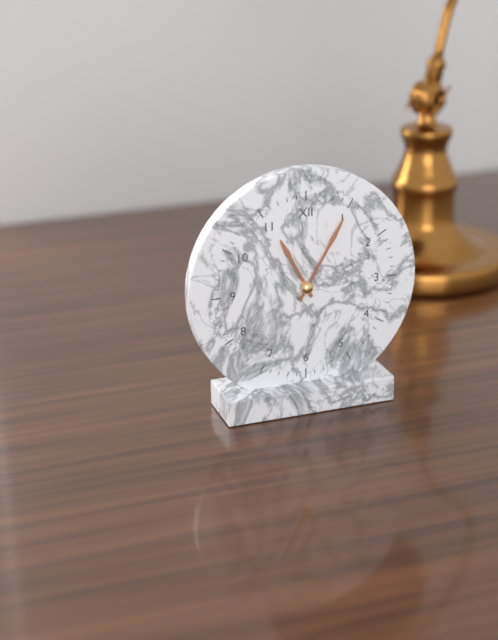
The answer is 11 h 05 min
